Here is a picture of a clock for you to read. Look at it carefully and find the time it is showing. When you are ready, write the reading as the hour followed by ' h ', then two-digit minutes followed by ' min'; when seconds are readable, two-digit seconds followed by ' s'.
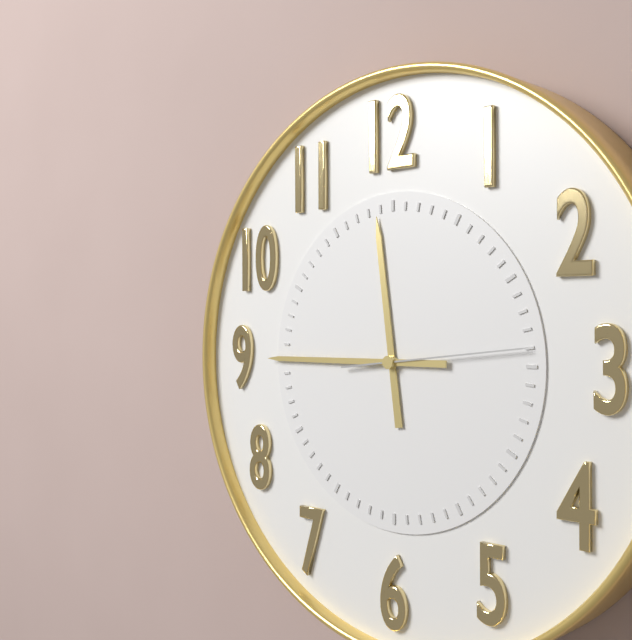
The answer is 11 h 45 min 14 s
